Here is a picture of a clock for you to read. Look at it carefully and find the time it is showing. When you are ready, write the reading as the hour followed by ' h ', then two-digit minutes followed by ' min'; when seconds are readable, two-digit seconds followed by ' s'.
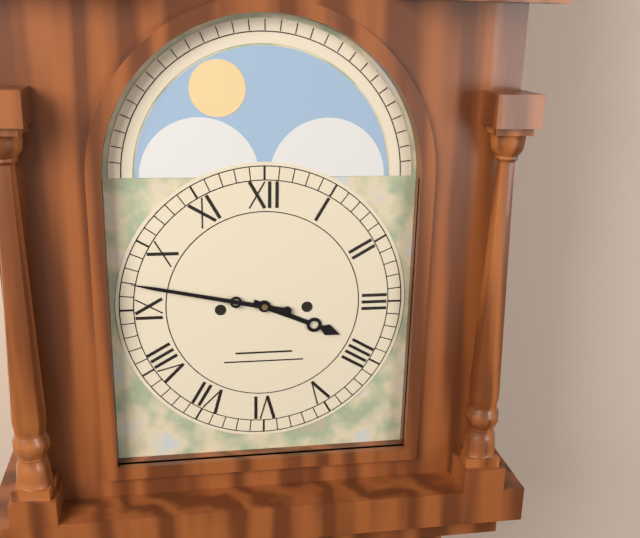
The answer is 3 h 47 min
